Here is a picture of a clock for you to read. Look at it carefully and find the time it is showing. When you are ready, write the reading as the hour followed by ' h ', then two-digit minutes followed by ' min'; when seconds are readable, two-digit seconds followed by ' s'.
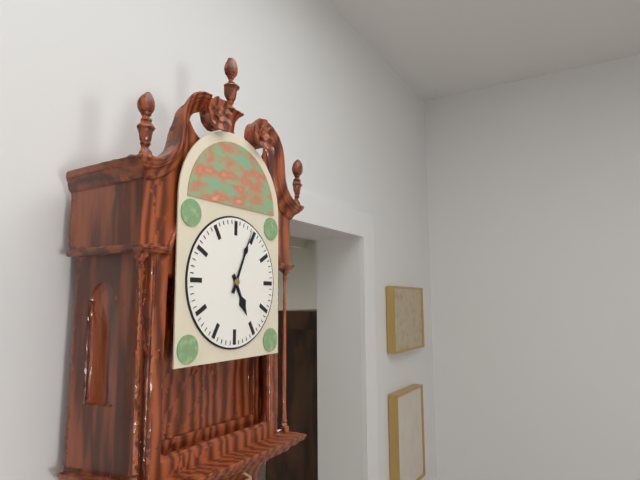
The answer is 5 h 04 min
